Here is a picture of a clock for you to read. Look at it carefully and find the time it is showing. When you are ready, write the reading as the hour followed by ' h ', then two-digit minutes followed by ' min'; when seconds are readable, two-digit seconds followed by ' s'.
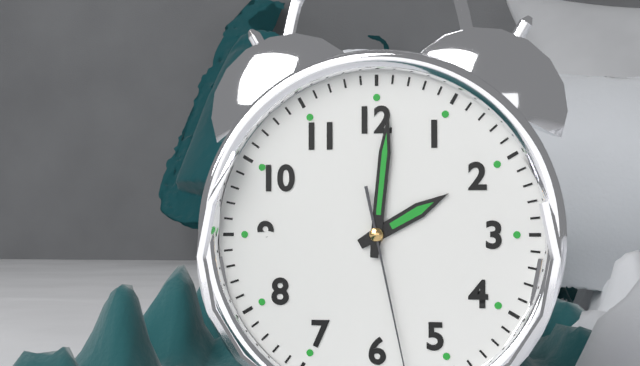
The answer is 2 h 01 min
